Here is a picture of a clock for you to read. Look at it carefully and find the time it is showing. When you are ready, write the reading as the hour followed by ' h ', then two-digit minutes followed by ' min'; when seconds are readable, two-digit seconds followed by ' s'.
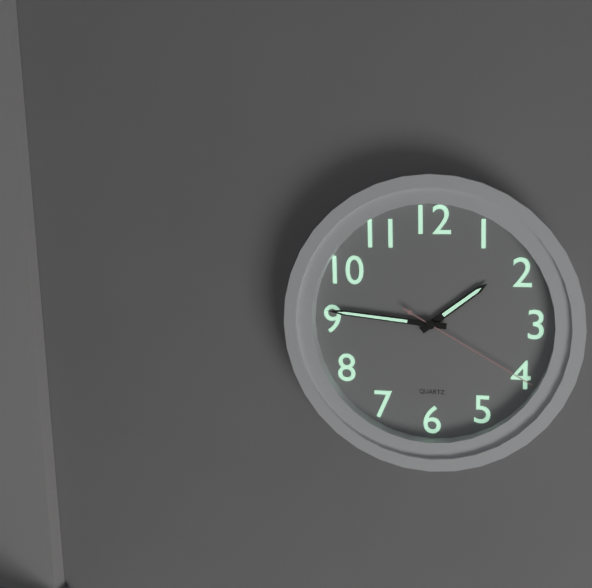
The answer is 1 h 46 min 20 s
